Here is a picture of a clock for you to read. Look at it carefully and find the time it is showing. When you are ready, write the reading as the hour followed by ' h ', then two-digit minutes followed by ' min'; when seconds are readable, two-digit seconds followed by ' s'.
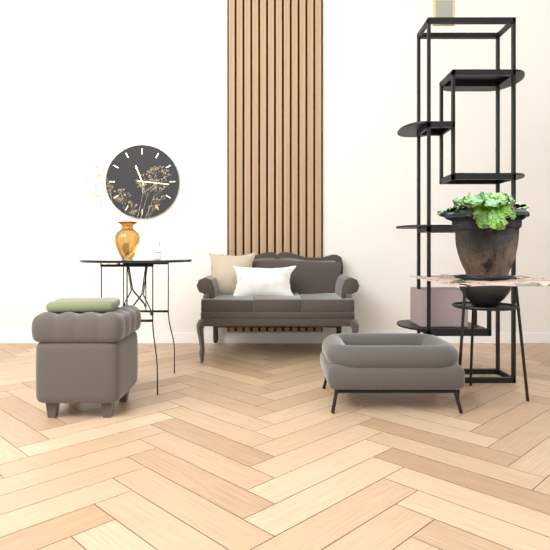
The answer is 11 h 16 min
